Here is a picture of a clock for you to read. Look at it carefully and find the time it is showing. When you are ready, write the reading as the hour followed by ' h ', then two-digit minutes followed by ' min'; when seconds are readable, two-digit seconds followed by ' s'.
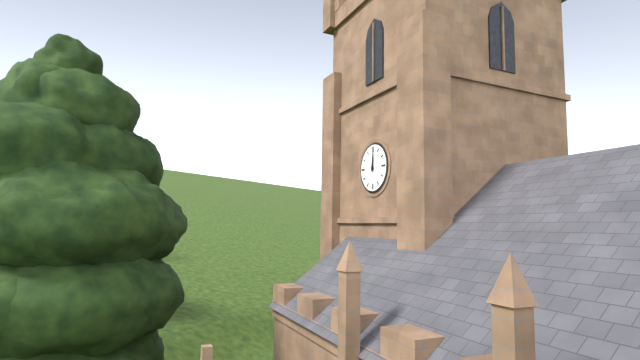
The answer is 12 h 01 min
